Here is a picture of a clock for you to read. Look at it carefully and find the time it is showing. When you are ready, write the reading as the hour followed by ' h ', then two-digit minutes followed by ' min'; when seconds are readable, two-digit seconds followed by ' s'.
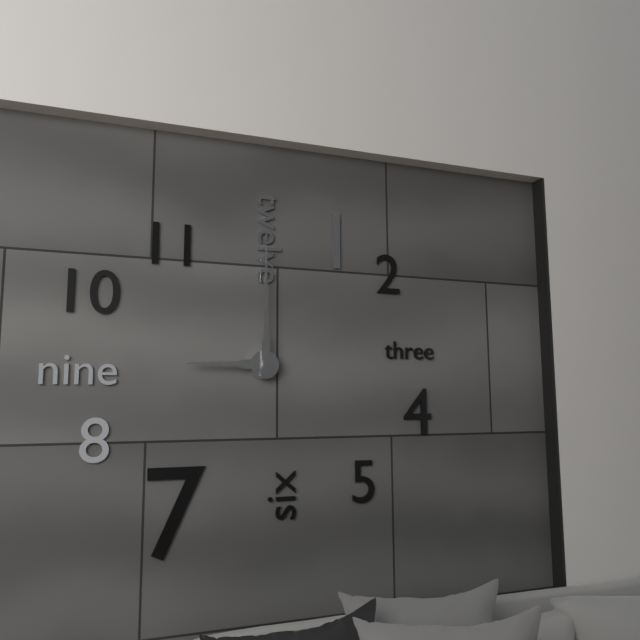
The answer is 9 h 00 min
